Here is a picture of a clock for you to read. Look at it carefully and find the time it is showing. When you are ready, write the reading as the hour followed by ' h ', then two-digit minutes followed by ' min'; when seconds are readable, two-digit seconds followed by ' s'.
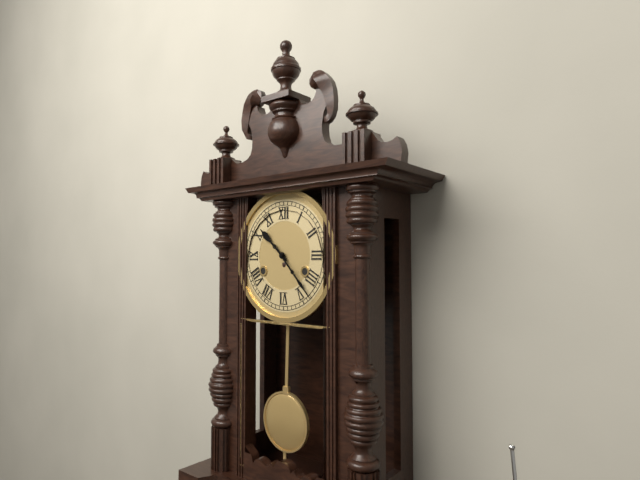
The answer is 10 h 23 min
